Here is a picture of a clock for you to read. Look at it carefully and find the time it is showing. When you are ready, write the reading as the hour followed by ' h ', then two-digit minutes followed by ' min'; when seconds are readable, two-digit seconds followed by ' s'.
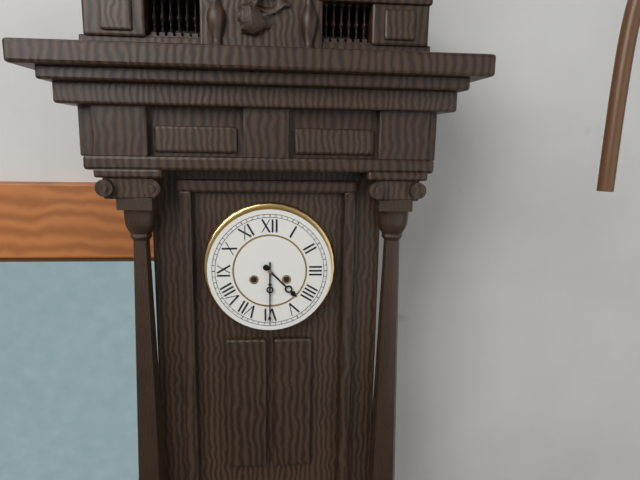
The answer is 4 h 30 min
